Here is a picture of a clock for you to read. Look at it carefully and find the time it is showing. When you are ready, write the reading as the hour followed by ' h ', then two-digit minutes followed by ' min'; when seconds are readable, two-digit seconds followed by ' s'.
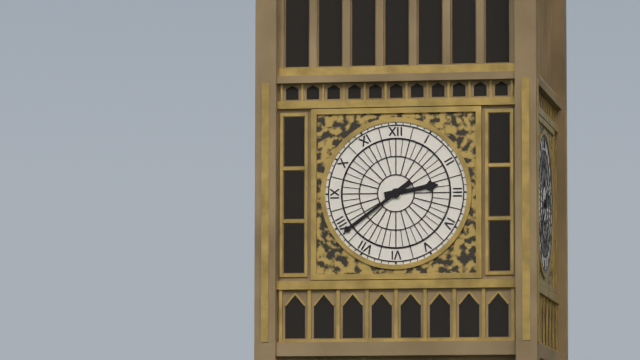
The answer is 2 h 39 min
